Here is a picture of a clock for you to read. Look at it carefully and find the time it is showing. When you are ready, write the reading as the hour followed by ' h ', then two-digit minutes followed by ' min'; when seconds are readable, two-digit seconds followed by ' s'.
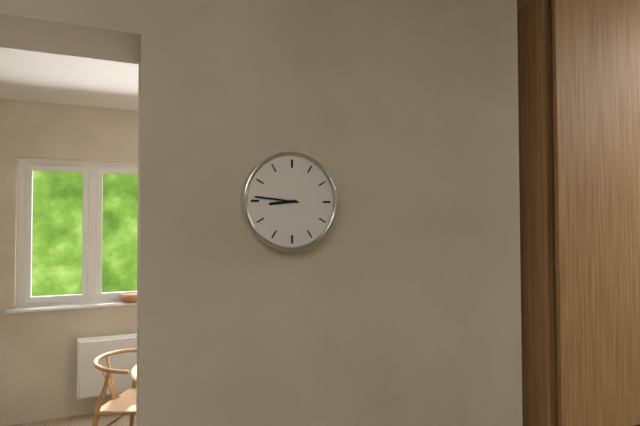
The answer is 8 h 46 min
